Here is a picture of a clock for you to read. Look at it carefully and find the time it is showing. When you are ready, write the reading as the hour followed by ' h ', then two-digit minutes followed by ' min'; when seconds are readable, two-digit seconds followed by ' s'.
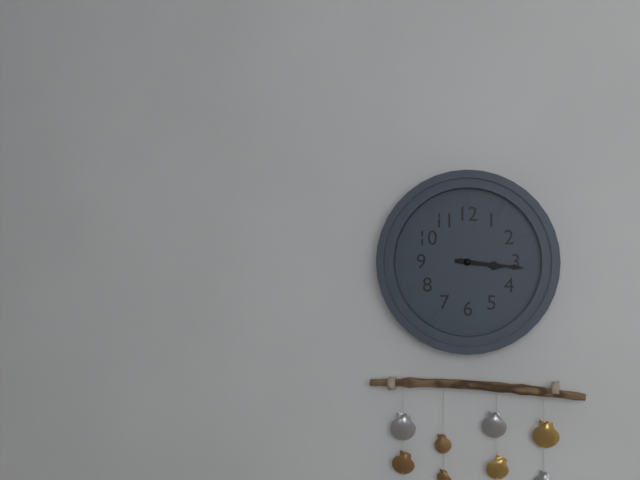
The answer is 3 h 16 min
